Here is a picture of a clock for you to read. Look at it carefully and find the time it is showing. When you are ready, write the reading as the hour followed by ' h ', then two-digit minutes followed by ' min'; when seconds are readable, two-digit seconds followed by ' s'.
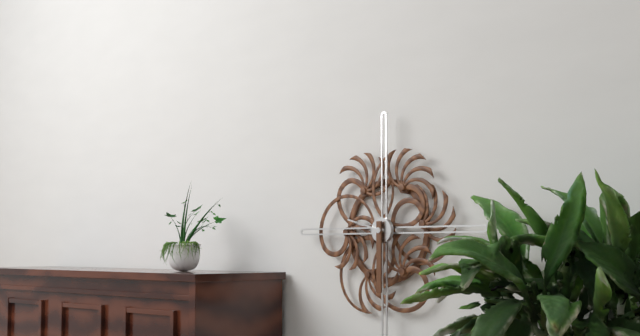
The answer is 9 h 30 min
